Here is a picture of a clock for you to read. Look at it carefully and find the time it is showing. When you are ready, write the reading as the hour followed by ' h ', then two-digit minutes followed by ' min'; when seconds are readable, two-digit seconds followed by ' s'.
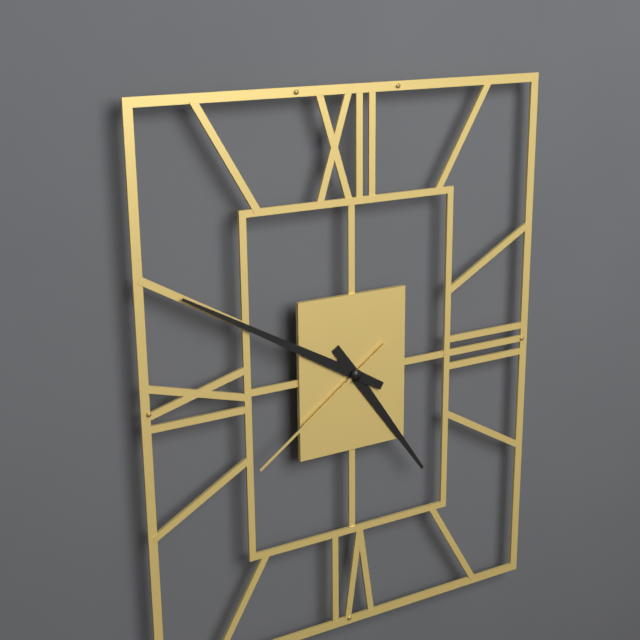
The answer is 4 h 50 min 39 s
